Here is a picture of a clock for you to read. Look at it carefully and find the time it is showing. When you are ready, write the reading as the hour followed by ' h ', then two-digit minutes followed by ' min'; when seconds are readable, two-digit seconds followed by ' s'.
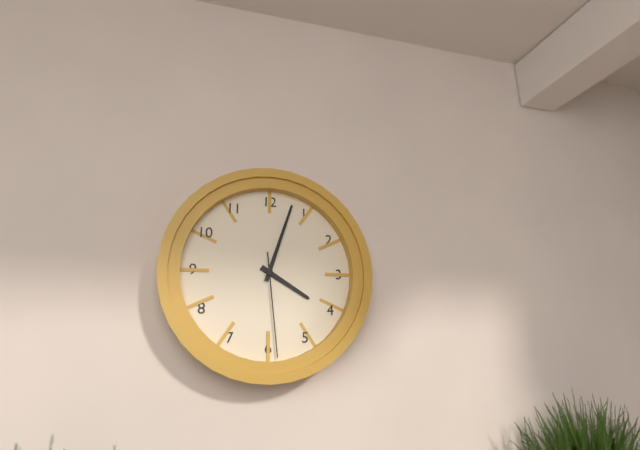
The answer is 4 h 03 min 29 s
